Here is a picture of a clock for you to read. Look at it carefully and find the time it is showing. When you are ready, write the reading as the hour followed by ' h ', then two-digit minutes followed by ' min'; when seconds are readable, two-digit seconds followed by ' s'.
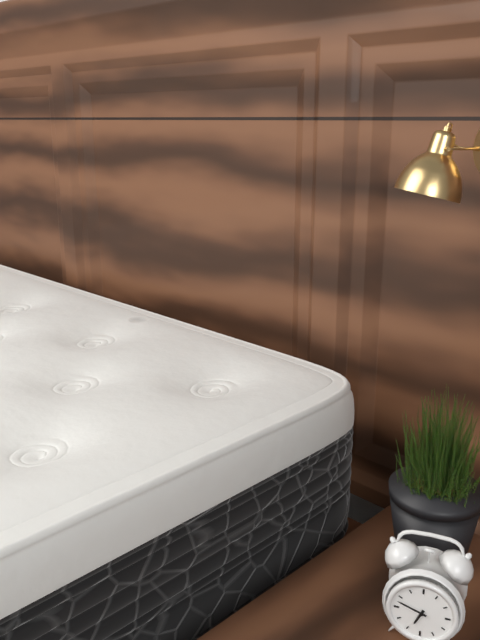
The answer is 6 h 48 min
